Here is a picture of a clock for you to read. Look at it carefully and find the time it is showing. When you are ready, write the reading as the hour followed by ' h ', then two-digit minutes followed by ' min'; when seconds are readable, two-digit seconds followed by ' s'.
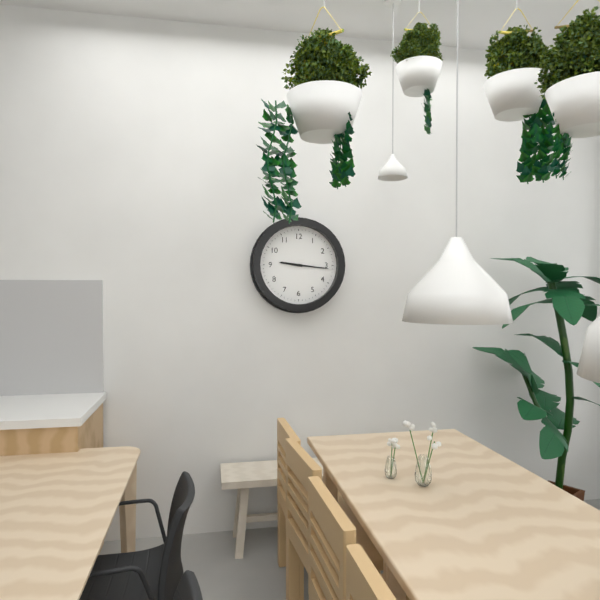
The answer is 9 h 16 min
